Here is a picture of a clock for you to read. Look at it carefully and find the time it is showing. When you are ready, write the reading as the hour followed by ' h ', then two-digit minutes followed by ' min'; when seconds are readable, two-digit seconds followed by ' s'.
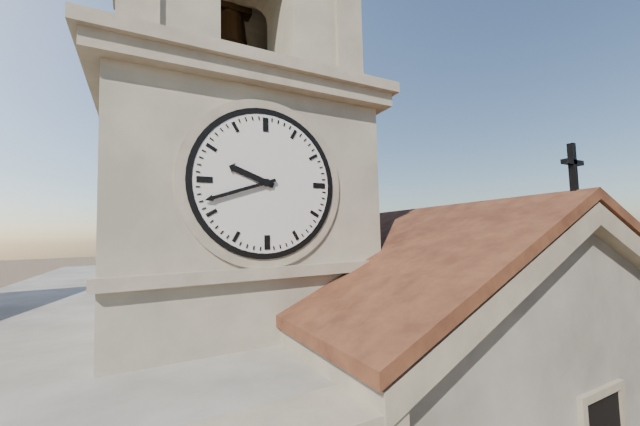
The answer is 9 h 42 min
